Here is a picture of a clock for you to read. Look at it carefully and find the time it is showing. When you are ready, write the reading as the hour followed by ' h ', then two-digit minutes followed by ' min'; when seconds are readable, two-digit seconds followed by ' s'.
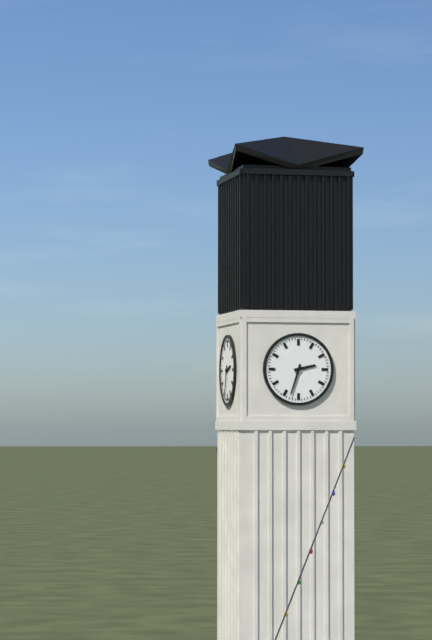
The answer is 2 h 33 min
